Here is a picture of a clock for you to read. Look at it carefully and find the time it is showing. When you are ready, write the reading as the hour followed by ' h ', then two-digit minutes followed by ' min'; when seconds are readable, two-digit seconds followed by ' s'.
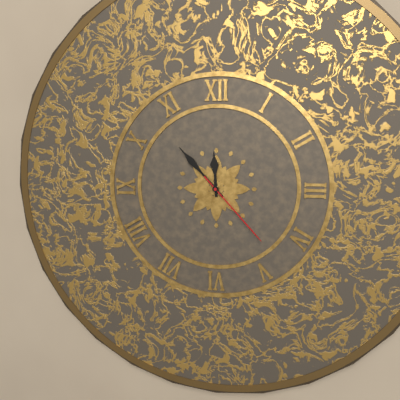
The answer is 11 h 53 min 23 s
